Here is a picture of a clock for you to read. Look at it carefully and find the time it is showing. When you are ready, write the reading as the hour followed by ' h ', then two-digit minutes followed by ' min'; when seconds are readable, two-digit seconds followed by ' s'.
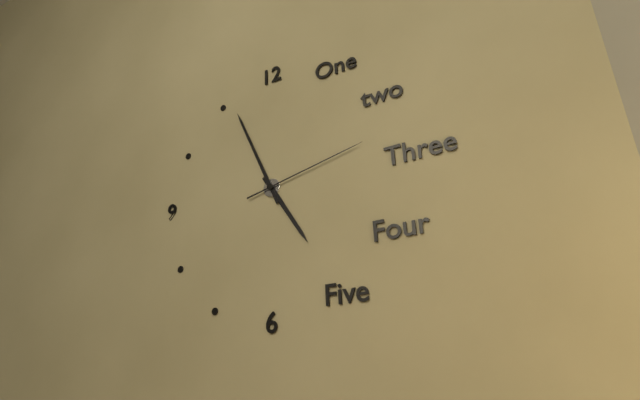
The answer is 4 h 56 min 13 s
